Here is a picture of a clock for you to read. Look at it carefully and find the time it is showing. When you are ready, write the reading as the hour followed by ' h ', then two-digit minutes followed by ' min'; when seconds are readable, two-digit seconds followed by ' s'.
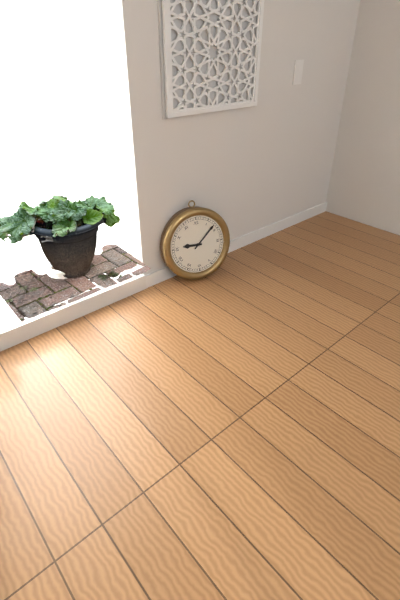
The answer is 9 h 08 min
